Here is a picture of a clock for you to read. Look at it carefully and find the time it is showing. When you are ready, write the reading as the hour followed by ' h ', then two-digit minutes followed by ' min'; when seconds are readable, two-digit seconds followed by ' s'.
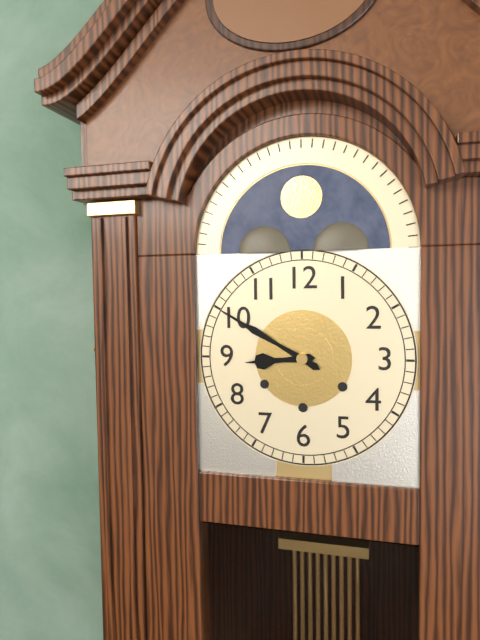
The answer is 8 h 50 min
